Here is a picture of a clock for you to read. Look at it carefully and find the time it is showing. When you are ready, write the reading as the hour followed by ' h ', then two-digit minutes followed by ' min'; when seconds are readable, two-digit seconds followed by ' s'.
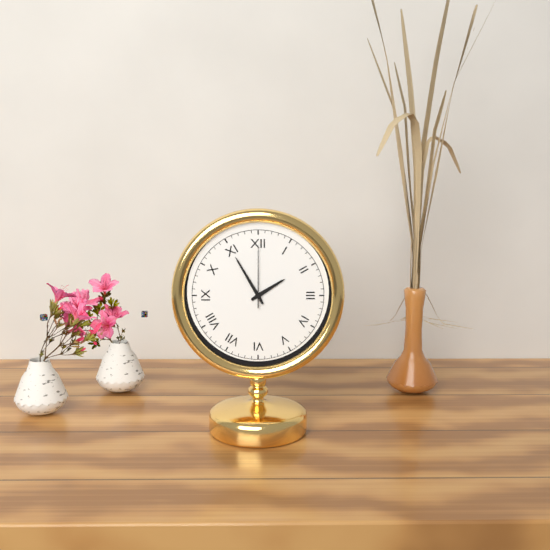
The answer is 1 h 55 min 00 s
